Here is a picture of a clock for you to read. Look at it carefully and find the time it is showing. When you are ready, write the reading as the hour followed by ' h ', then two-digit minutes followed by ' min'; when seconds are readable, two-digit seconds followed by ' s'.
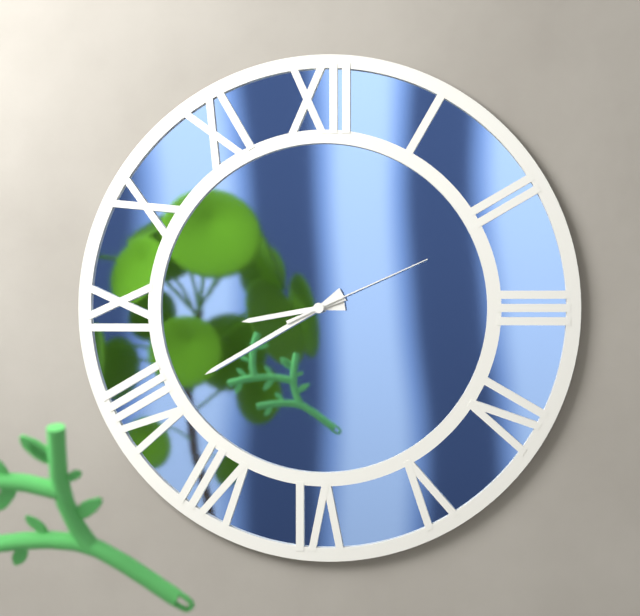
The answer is 8 h 40 min 11 s
